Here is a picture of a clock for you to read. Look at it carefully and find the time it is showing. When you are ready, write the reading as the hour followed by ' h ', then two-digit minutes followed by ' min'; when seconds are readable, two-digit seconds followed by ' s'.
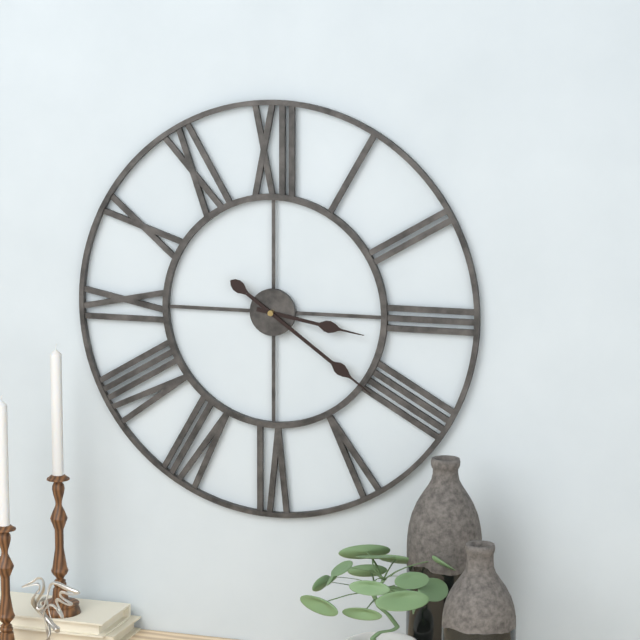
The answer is 3 h 21 min
